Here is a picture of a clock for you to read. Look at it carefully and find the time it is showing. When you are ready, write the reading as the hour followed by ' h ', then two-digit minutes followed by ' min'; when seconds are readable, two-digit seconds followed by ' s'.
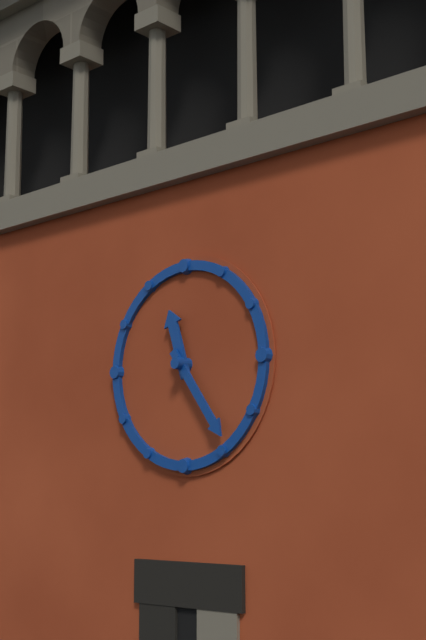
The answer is 11 h 24 min
